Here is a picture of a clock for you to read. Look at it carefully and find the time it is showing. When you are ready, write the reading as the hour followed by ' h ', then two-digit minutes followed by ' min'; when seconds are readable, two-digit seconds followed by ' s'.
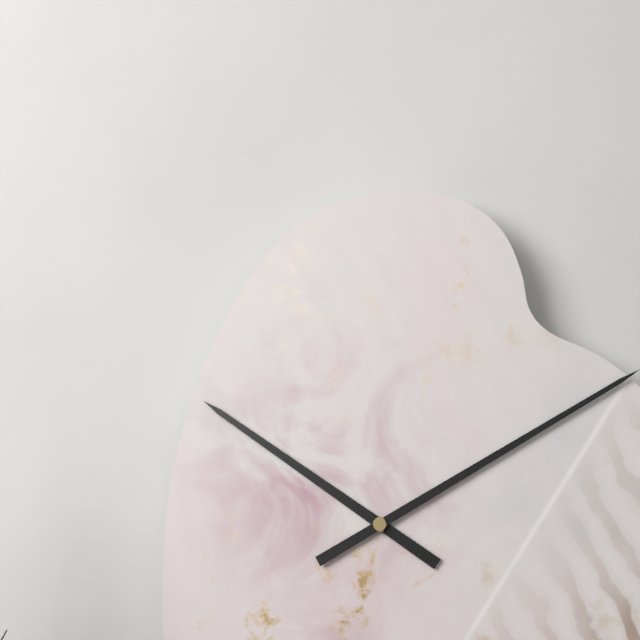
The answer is 10 h 10 min
